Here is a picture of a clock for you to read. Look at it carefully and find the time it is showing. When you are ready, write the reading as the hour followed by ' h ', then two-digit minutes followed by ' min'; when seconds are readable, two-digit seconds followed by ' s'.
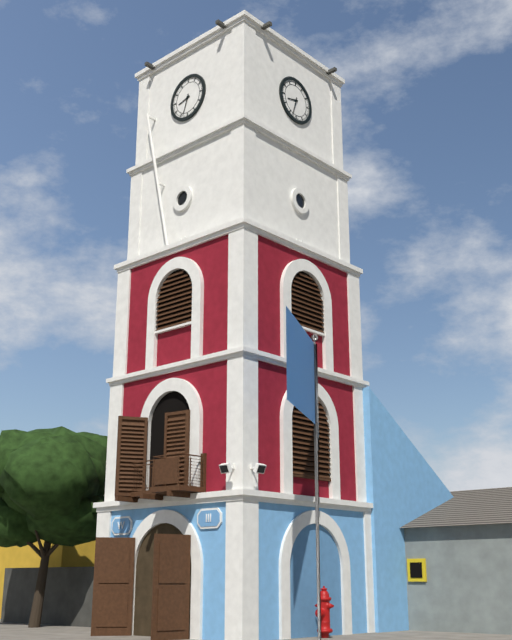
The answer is 8 h 33 min
